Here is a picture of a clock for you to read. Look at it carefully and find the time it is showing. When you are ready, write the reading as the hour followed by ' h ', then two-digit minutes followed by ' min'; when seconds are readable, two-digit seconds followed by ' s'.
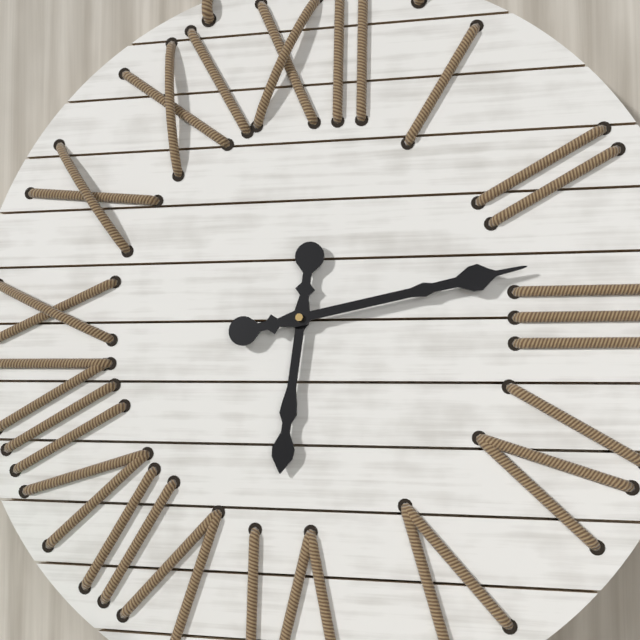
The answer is 6 h 13 min
